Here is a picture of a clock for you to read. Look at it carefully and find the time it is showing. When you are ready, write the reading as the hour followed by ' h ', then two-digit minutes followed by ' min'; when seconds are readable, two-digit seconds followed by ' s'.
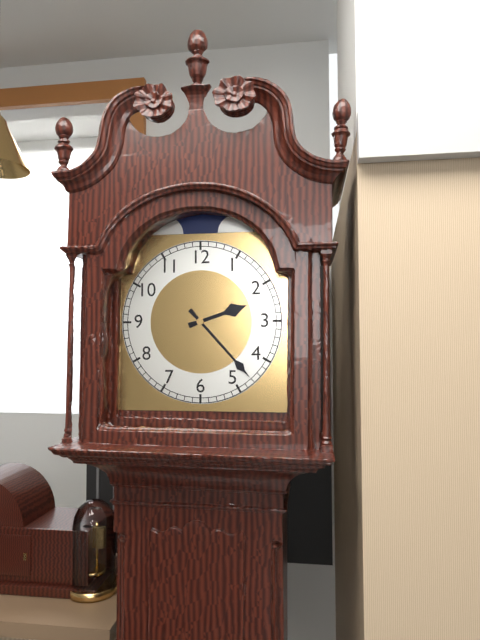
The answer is 2 h 23 min
